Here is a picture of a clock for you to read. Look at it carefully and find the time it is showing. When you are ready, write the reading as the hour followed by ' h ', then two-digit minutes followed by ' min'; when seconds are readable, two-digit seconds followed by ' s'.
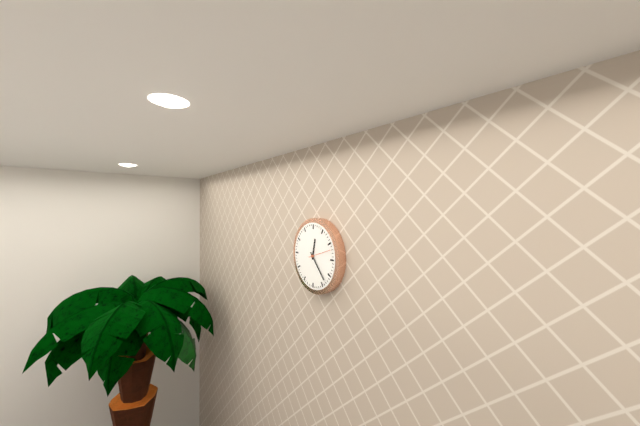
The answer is 12 h 23 min
